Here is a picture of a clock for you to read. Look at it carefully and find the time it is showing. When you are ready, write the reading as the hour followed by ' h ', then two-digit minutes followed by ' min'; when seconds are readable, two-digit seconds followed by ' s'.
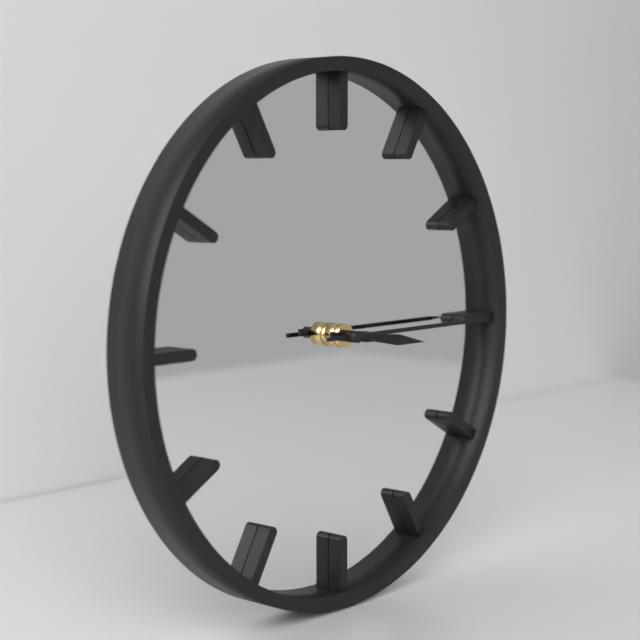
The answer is 3 h 15 min
